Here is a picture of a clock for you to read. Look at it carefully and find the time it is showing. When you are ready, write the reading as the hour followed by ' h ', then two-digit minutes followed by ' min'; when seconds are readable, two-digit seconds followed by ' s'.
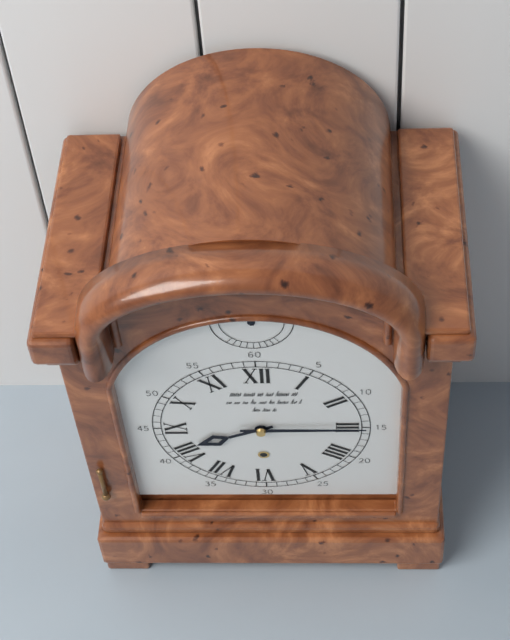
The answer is 8 h 15 min
